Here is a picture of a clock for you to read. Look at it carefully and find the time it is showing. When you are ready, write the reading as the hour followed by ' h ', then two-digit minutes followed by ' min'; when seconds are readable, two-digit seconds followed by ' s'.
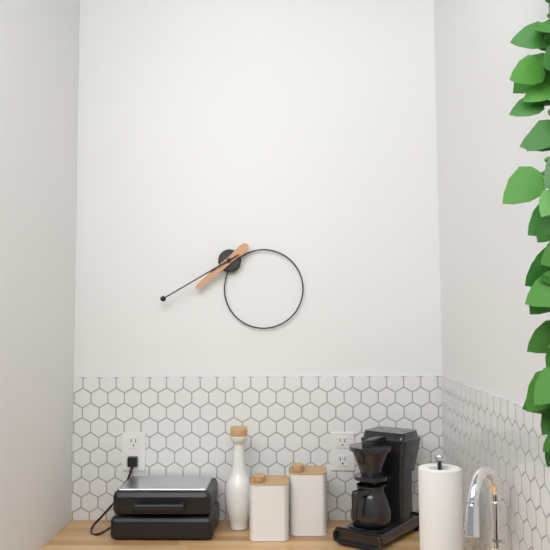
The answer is 7 h 40 min
